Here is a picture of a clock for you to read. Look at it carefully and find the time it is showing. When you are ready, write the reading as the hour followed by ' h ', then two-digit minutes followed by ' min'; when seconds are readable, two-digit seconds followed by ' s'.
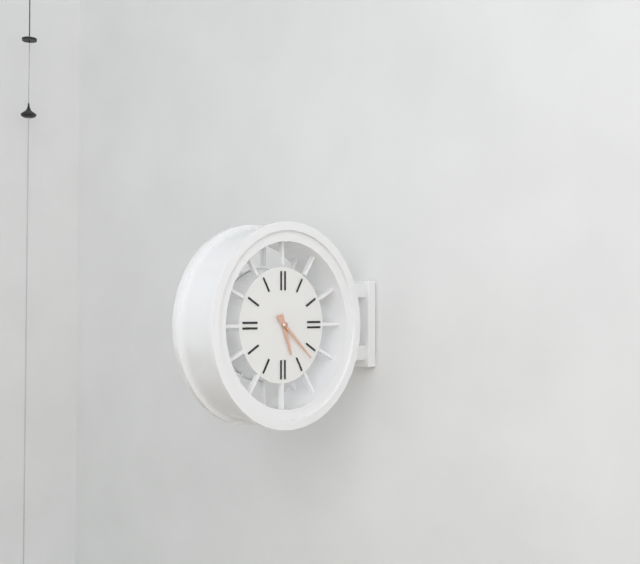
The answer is 5 h 22 min
